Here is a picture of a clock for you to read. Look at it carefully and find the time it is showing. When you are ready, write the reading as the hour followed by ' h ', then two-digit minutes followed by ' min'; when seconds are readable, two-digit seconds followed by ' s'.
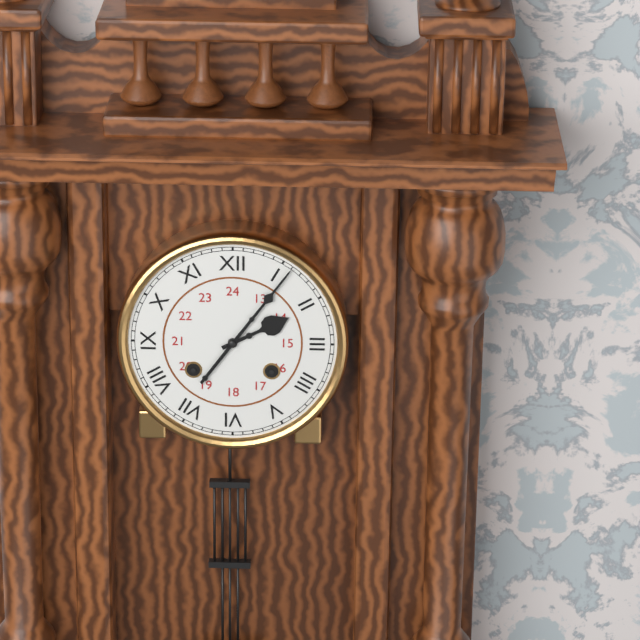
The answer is 2 h 06 min
